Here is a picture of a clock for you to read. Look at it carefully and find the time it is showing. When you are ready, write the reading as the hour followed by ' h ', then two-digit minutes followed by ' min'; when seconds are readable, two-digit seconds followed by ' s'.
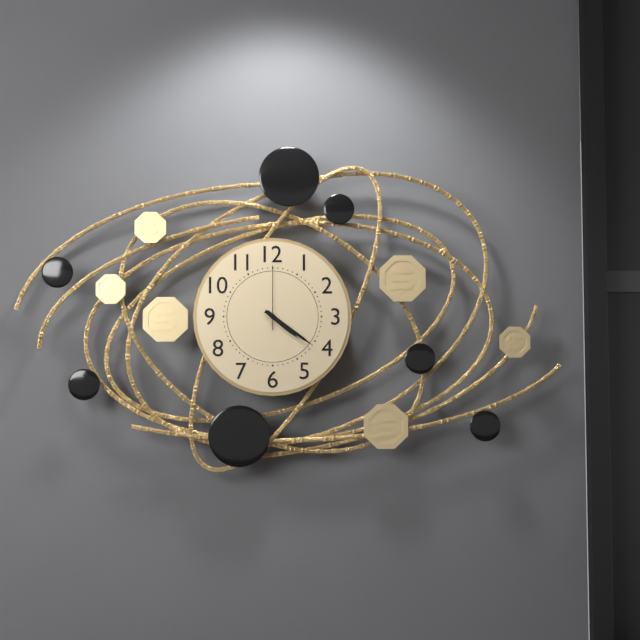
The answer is 4 h 21 min 00 s
